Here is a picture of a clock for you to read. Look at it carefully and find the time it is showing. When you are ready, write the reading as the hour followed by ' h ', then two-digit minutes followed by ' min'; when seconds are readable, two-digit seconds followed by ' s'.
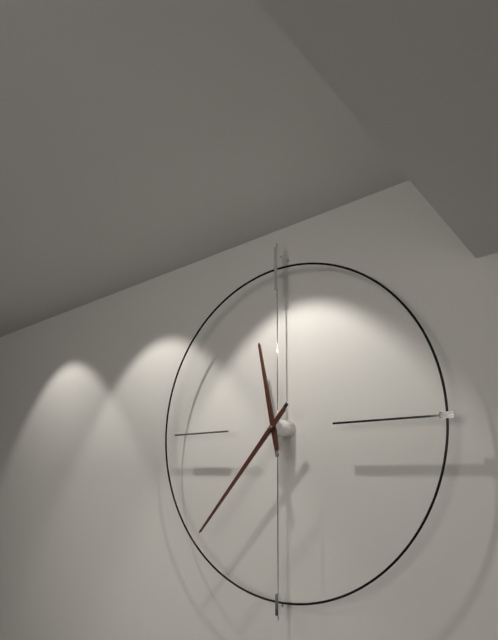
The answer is 11 h 37 min
